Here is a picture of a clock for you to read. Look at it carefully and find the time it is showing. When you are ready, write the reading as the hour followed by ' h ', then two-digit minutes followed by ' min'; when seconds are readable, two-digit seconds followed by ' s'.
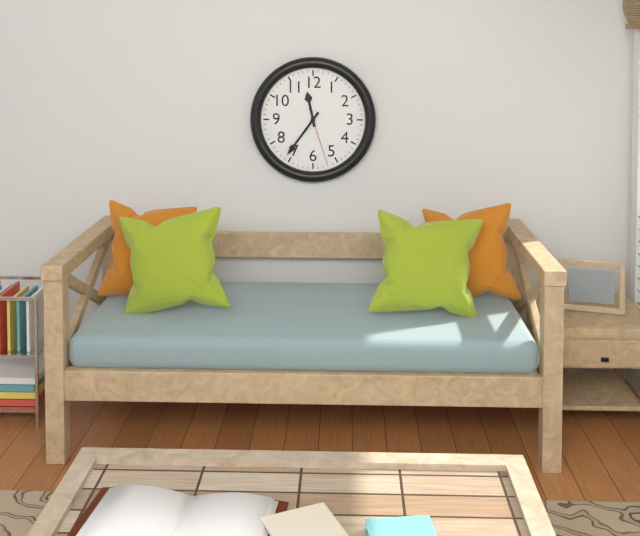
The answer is 11 h 36 min 27 s
